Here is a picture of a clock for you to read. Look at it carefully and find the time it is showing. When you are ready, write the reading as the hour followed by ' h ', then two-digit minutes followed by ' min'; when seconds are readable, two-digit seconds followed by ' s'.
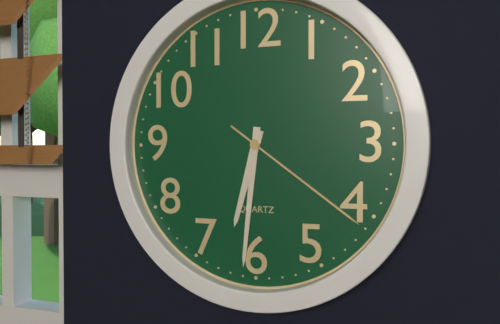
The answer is 6 h 31 min 21 s
